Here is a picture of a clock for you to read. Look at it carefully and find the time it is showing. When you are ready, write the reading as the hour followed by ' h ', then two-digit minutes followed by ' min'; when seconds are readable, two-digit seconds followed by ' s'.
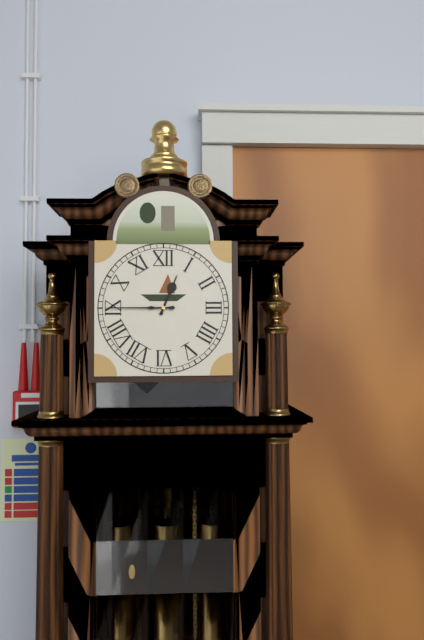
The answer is 12 h 45 min
